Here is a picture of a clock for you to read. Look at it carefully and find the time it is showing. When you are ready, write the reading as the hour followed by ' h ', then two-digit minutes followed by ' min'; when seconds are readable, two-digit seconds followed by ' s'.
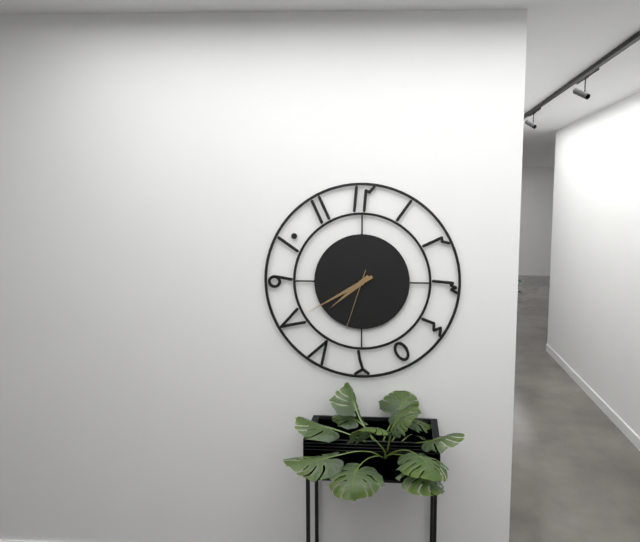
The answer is 7 h 40 min 33 s
